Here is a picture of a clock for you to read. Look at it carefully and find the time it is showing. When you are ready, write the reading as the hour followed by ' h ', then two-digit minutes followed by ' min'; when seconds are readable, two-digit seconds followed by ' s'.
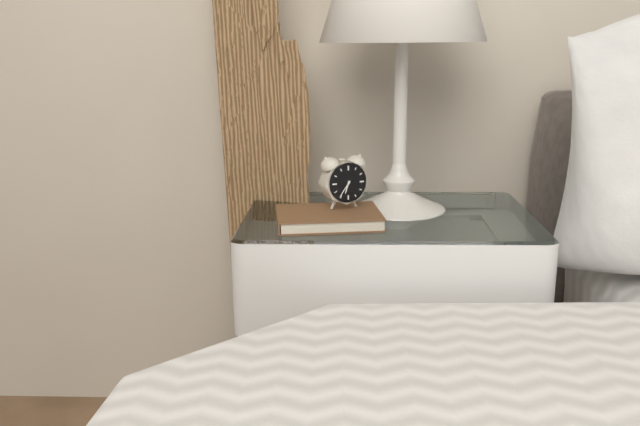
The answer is 6 h 36 min
